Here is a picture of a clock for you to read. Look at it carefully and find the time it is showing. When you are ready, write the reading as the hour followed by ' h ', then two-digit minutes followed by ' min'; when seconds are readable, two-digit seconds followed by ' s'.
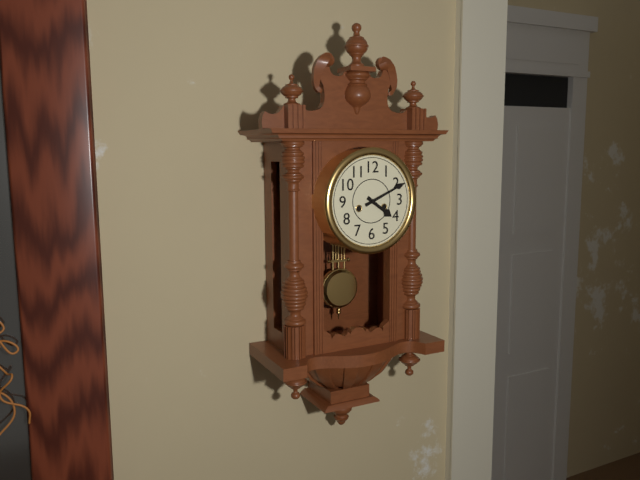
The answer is 4 h 11 min
